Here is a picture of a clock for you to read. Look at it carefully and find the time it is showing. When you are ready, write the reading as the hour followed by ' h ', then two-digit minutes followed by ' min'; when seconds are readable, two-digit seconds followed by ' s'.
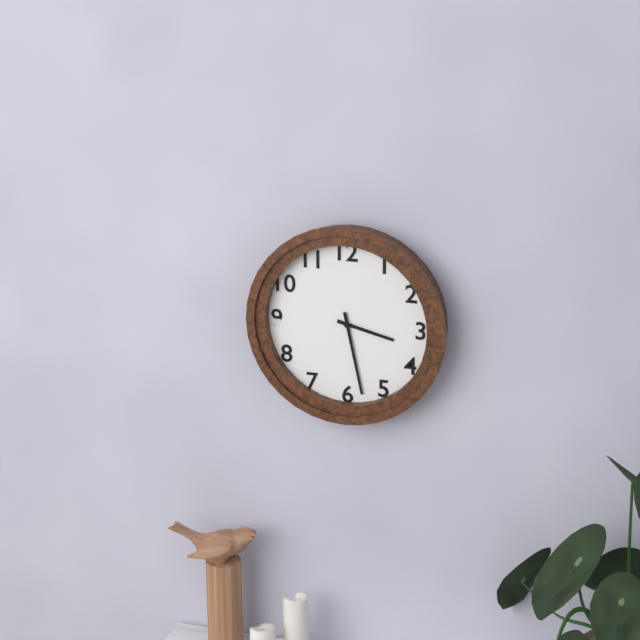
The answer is 3 h 28 min
